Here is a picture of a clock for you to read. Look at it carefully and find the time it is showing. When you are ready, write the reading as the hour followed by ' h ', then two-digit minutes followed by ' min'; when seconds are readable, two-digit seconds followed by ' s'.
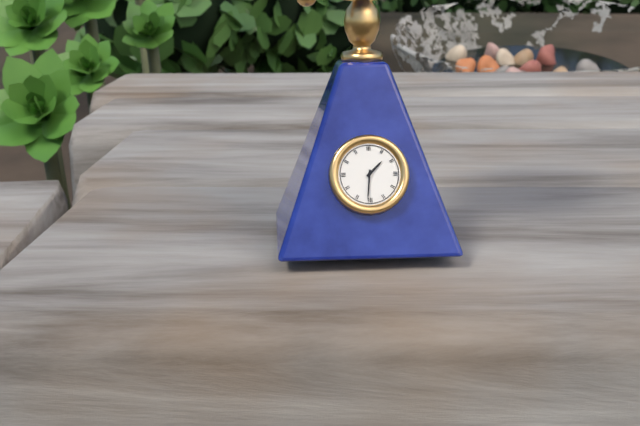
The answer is 1 h 31 min
